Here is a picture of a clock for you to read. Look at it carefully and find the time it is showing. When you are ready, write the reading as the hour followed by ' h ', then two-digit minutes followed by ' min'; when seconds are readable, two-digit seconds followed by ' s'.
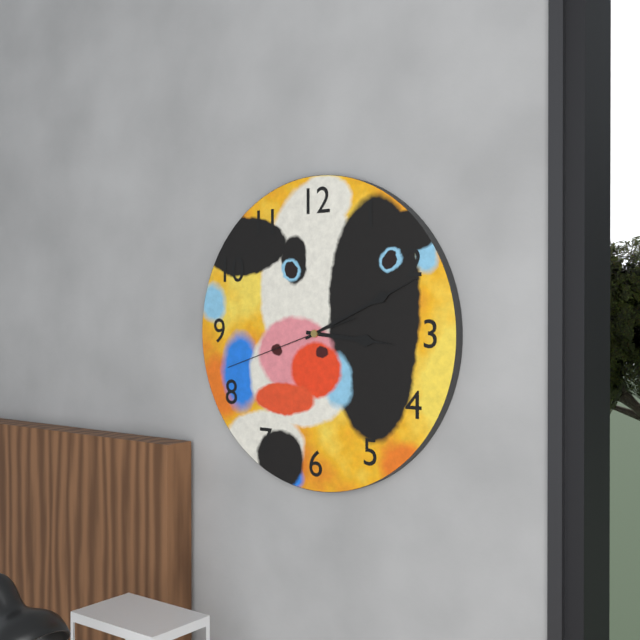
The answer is 3 h 11 min 42 s
